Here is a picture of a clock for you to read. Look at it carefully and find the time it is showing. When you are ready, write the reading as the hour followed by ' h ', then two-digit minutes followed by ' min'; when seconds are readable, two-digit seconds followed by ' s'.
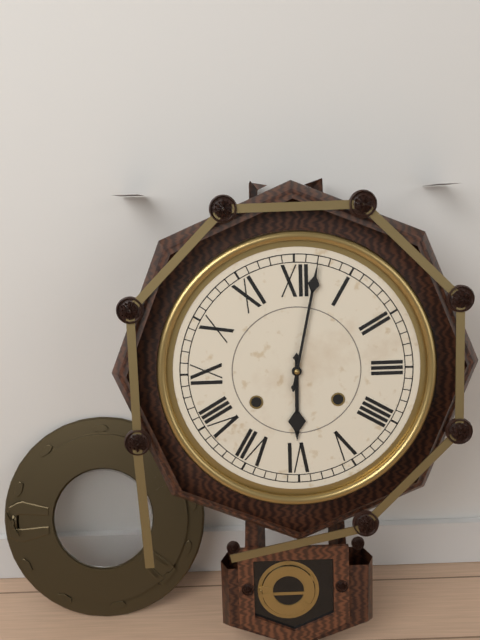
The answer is 6 h 02 min
